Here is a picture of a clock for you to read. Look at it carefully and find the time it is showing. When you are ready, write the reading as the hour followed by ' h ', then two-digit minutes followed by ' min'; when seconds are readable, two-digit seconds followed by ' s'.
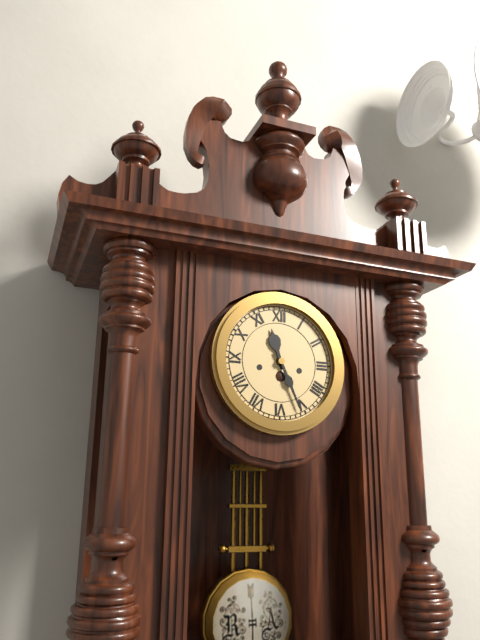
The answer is 11 h 26 min
